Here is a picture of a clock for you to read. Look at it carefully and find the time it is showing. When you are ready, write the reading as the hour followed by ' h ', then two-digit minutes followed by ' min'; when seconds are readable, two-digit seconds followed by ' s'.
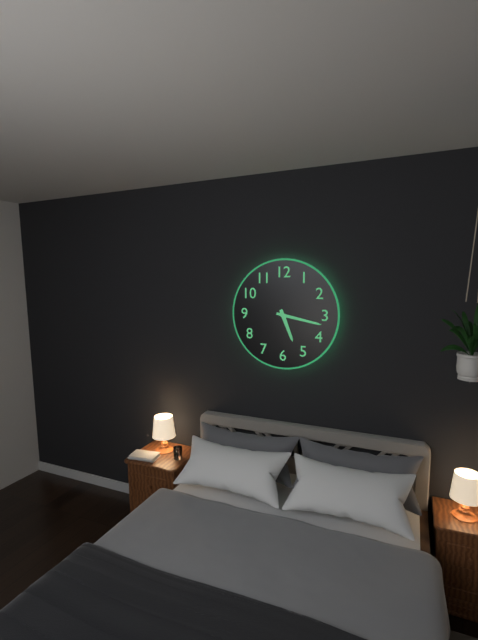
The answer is 5 h 17 min
